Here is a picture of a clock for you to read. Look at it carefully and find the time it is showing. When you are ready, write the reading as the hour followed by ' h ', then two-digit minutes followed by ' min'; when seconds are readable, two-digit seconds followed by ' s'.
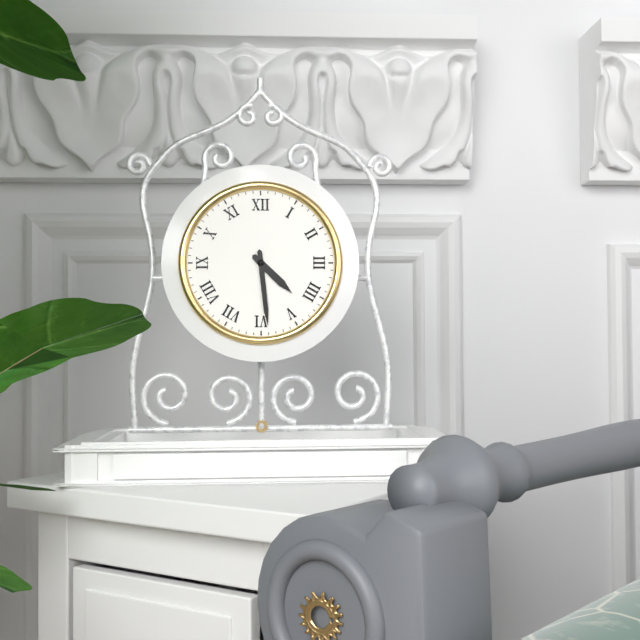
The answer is 4 h 29 min
